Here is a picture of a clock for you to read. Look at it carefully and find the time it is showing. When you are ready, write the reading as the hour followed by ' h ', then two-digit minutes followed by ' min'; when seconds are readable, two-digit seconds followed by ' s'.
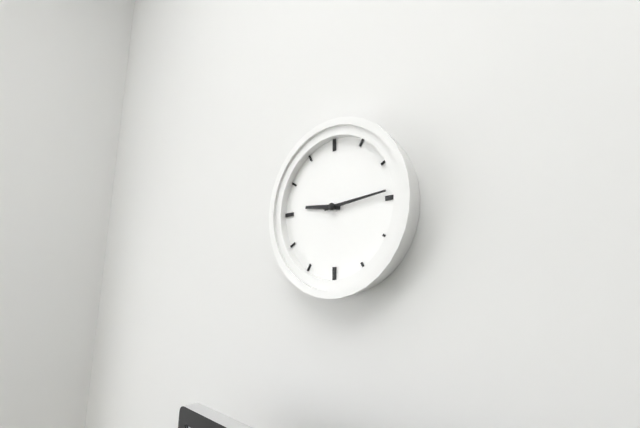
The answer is 9 h 14 min
